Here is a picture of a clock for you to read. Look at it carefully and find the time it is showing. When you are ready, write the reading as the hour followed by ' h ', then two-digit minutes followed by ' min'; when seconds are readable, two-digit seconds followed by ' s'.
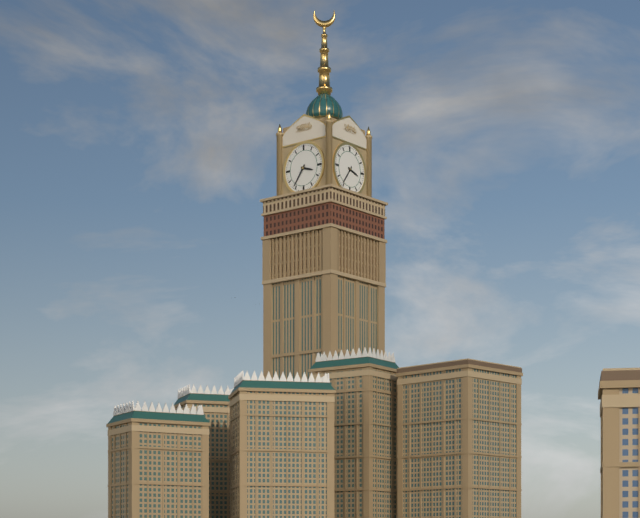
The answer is 3 h 36 min
